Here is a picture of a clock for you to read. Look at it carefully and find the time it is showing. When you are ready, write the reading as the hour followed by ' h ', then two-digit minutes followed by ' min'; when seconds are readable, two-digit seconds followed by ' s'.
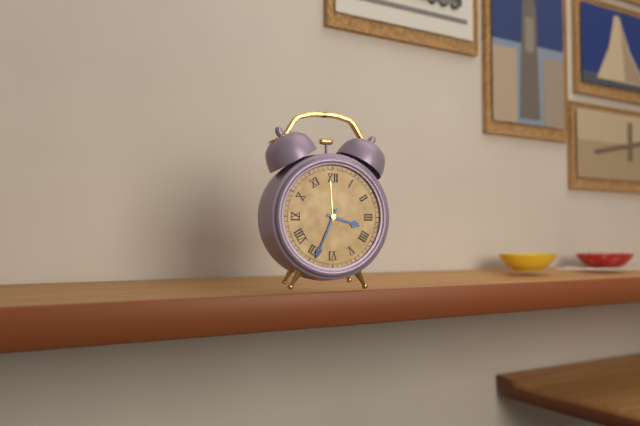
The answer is 3 h 34 min
